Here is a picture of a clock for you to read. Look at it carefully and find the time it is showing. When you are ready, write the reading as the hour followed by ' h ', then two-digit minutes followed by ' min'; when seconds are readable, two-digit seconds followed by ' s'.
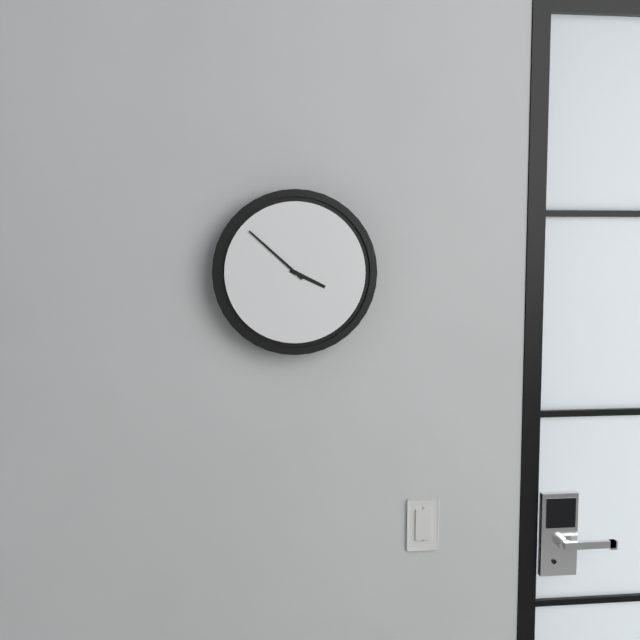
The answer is 3 h 52 min
